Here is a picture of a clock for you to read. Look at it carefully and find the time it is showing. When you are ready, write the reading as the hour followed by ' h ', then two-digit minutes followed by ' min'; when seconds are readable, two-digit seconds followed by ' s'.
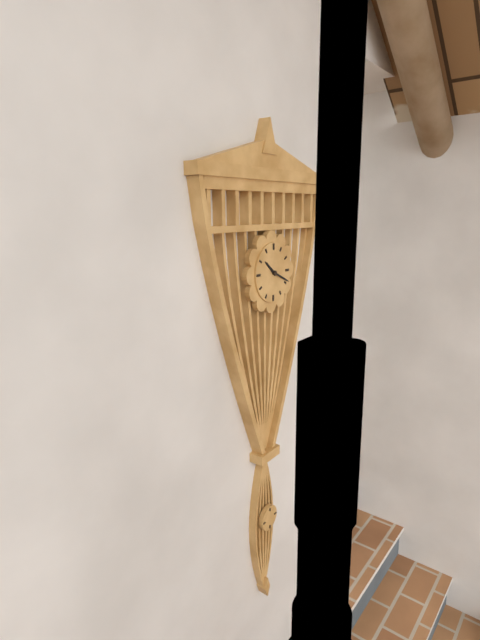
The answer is 10 h 19 min
